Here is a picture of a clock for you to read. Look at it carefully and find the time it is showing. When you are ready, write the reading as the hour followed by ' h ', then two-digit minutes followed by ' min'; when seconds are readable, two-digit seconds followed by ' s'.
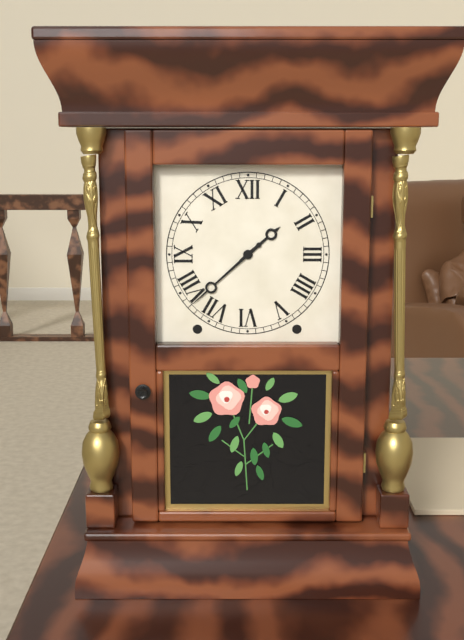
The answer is 1 h 38 min
